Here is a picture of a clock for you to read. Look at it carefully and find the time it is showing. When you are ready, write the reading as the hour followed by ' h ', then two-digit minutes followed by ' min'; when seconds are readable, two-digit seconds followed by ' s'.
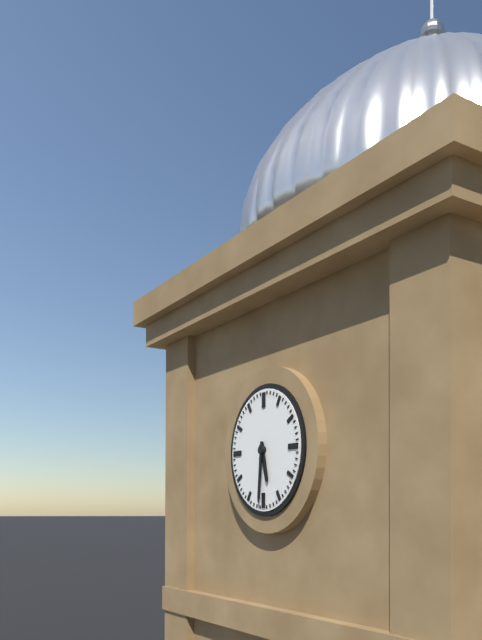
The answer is 5 h 31 min
